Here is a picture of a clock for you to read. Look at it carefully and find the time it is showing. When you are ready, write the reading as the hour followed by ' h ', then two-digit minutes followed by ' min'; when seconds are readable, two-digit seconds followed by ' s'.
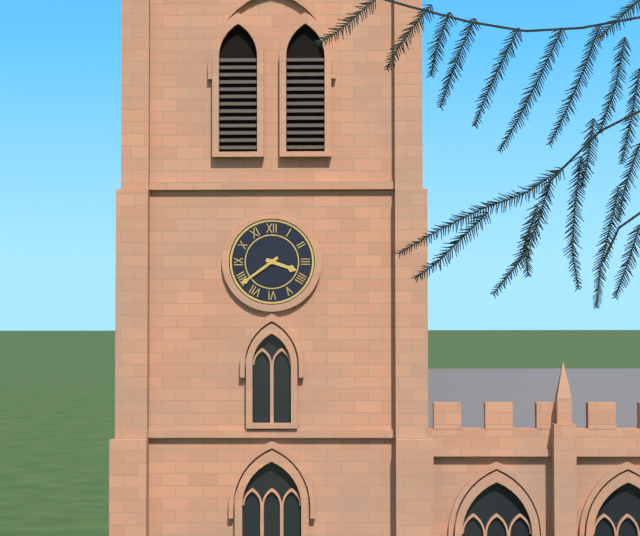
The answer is 3 h 39 min
